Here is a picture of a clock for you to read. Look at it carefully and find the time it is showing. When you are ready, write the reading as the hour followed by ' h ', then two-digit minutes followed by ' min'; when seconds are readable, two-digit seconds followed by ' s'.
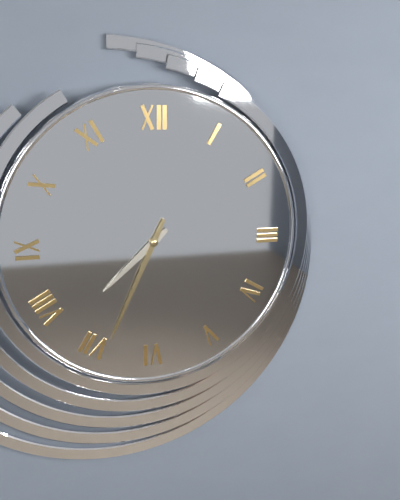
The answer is 7 h 34 min
